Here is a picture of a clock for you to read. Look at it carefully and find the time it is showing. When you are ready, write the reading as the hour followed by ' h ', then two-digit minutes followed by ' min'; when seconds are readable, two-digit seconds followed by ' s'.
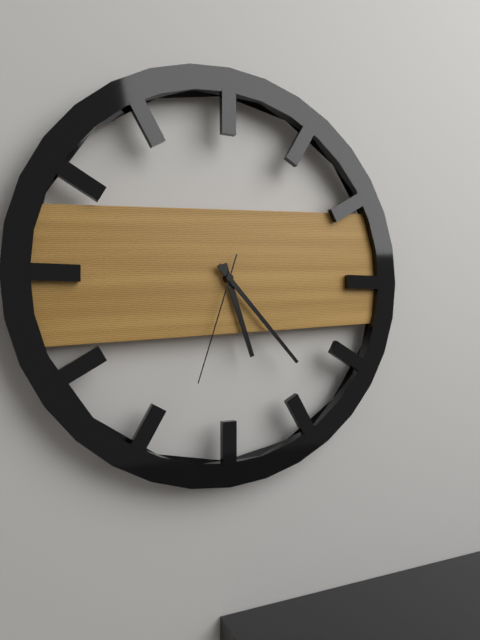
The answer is 5 h 23 min 33 s
